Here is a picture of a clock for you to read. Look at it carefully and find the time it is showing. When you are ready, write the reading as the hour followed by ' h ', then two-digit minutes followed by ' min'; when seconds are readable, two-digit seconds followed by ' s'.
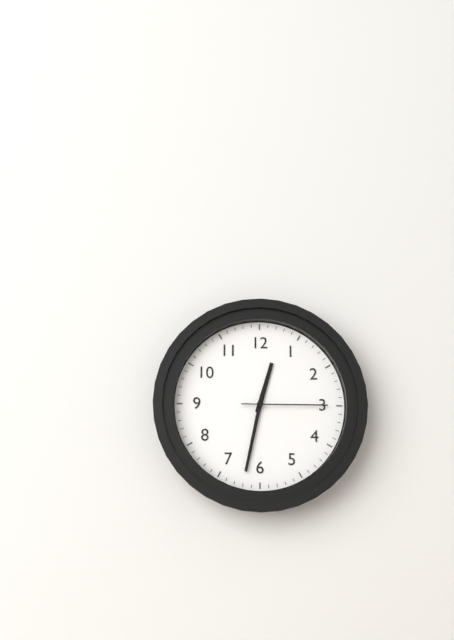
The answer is 12 h 32 min 15 s
